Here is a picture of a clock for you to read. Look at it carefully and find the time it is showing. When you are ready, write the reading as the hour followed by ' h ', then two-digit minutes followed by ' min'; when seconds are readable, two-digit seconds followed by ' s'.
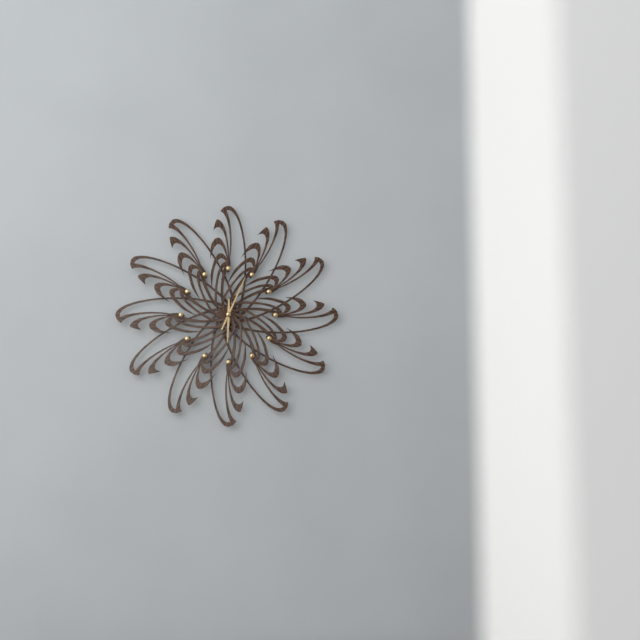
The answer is 6 h 04 min
